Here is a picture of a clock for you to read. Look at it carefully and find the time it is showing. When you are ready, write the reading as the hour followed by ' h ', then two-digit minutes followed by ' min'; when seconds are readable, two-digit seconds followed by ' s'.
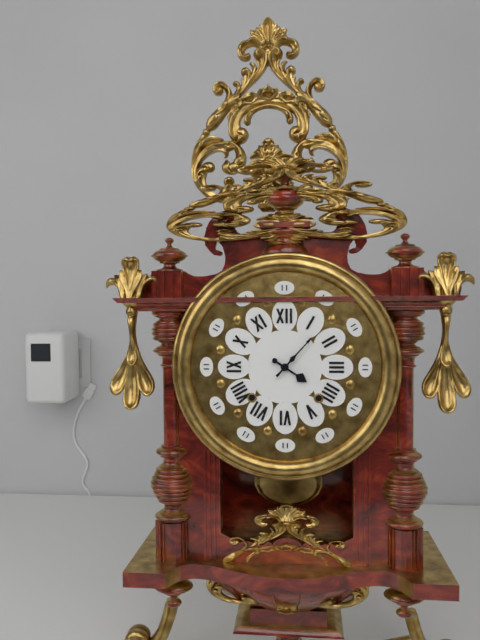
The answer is 4 h 07 min
